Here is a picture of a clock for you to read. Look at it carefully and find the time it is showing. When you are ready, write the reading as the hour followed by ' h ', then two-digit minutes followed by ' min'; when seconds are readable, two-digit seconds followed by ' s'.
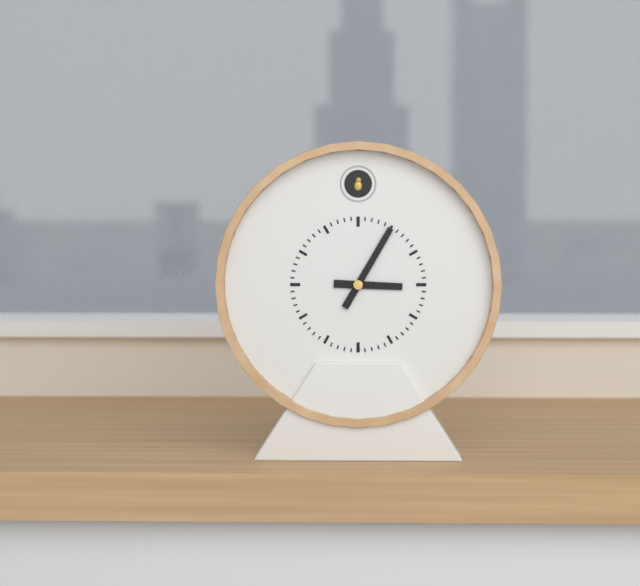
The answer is 3 h 05 min
